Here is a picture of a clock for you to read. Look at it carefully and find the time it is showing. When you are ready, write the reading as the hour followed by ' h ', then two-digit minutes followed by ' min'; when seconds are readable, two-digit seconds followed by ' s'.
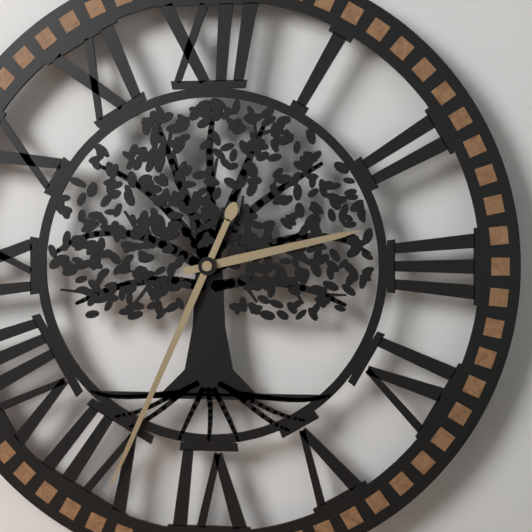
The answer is 2 h 34 min
